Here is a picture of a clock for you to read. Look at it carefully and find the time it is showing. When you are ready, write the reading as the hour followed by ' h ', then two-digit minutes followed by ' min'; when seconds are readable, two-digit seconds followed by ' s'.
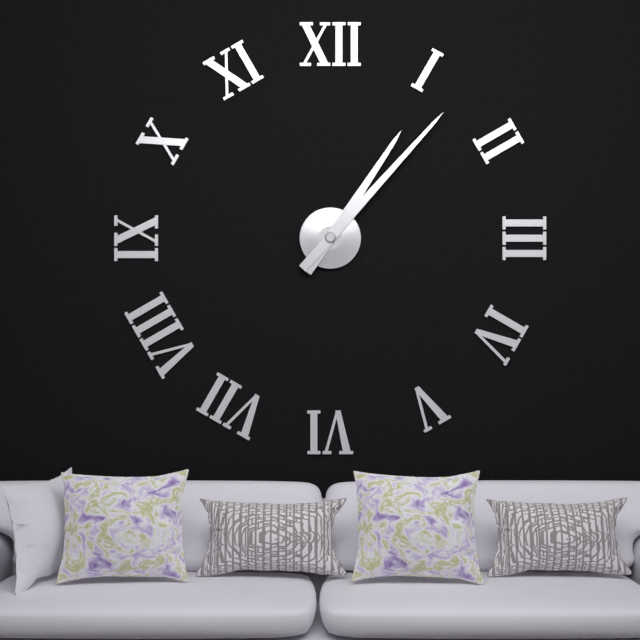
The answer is 1 h 07 min
